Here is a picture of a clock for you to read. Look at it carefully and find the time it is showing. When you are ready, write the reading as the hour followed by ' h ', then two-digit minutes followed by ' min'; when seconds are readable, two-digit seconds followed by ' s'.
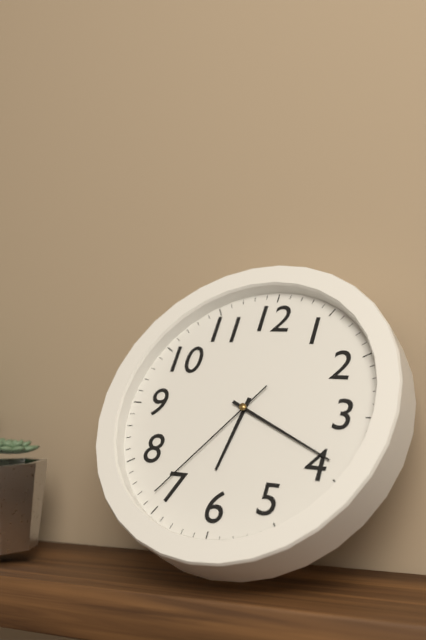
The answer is 6 h 19 min 36 s
